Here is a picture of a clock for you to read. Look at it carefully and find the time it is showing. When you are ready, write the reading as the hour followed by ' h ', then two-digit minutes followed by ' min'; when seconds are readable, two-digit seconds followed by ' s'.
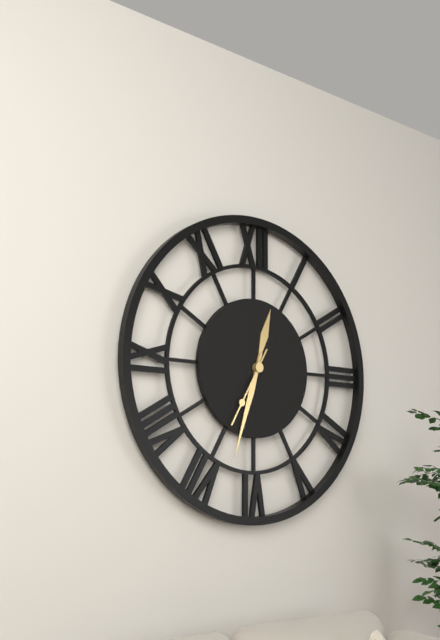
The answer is 12 h 33 min 35 s
